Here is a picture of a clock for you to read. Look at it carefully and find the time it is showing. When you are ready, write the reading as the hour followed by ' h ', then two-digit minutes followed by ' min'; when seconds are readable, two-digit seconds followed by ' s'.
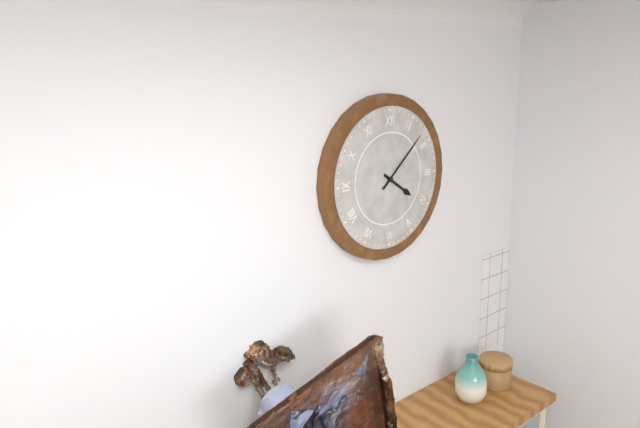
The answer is 4 h 08 min
